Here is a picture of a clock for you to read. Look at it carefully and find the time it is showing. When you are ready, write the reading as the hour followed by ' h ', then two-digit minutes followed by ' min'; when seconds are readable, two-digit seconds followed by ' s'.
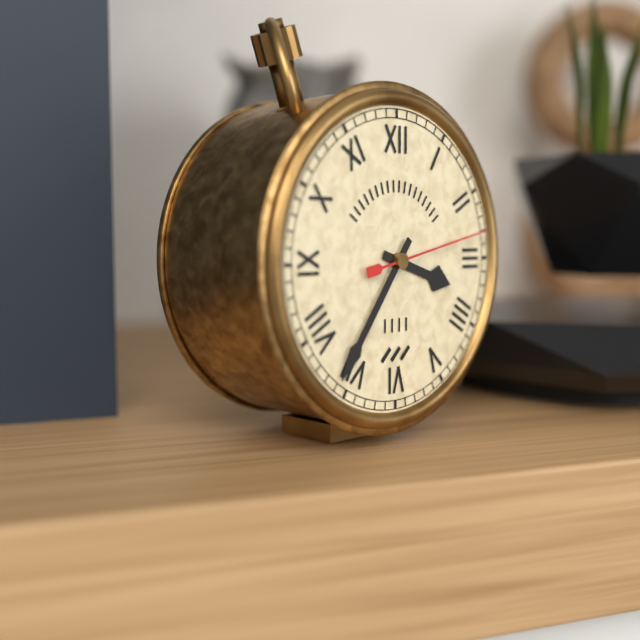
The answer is 3 h 36 min 13 s
